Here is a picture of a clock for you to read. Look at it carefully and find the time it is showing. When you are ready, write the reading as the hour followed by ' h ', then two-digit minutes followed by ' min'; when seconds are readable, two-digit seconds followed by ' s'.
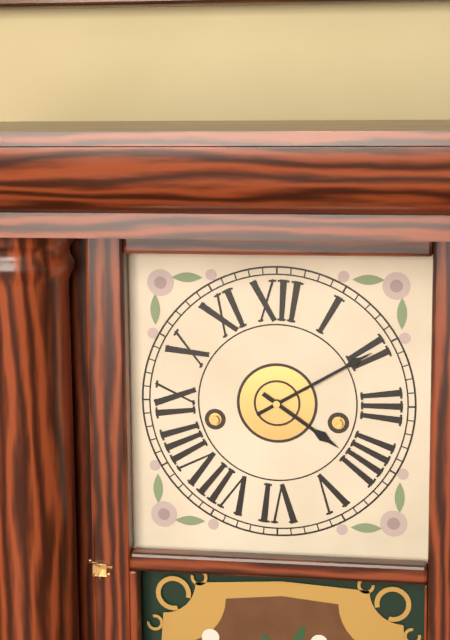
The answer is 4 h 10 min
